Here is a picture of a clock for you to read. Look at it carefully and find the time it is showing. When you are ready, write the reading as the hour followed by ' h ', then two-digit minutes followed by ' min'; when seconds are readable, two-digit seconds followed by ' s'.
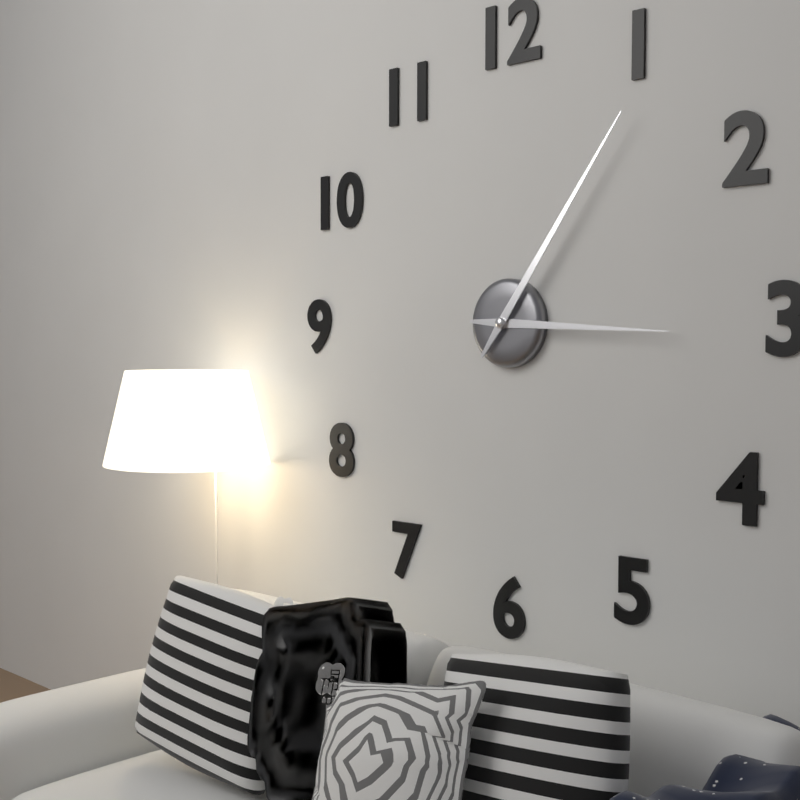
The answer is 3 h 06 min
